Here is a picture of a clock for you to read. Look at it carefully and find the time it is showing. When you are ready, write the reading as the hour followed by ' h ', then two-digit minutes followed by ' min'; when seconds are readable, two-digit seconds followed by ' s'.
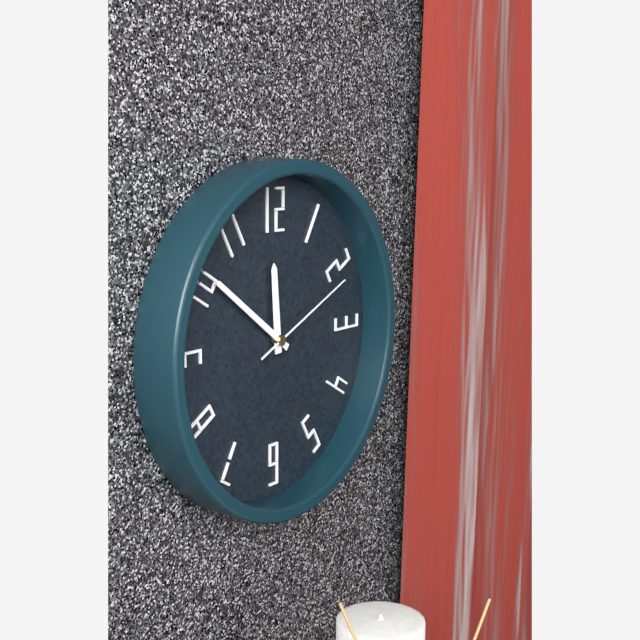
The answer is 11 h 51 min 11 s
